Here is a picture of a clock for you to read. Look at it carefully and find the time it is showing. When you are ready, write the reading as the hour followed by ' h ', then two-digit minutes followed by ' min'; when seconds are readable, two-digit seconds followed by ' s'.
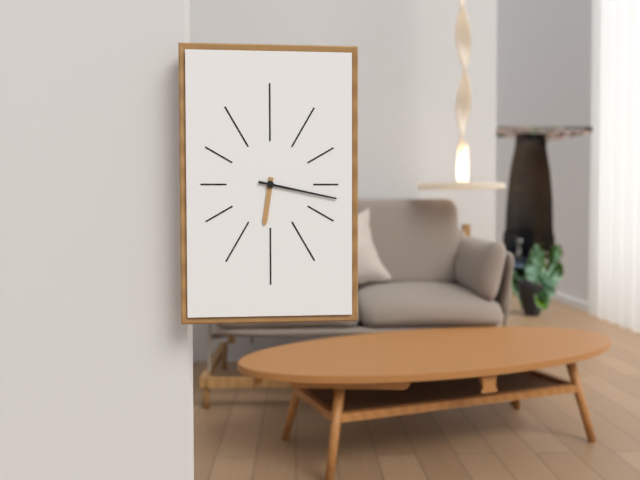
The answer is 6 h 17 min
